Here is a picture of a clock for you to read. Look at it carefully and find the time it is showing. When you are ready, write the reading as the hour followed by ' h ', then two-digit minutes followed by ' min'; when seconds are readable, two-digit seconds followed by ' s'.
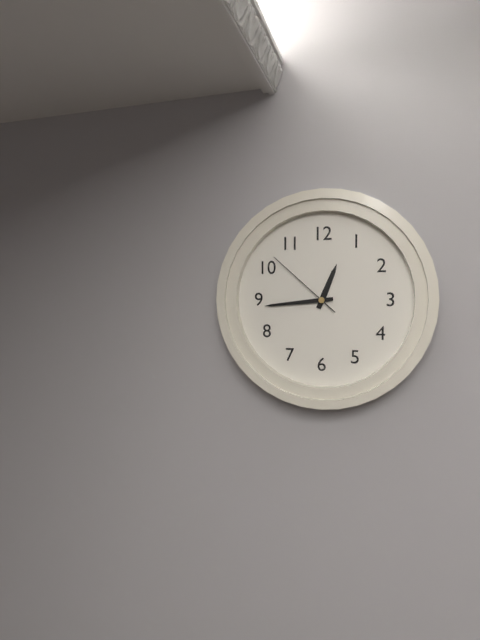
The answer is 12 h 44 min 52 s
